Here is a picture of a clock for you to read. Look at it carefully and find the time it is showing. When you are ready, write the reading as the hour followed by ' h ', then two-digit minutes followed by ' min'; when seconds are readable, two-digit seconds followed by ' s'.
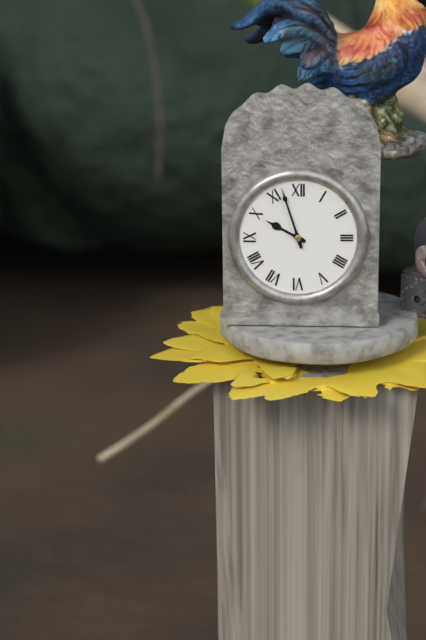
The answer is 9 h 57 min
